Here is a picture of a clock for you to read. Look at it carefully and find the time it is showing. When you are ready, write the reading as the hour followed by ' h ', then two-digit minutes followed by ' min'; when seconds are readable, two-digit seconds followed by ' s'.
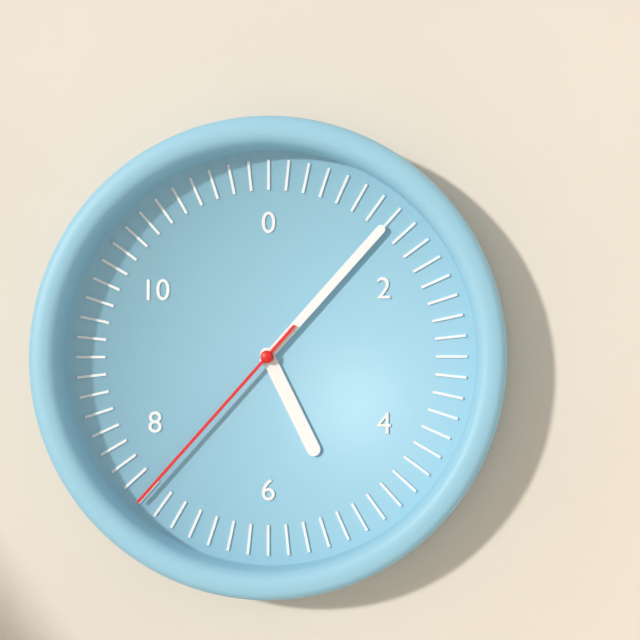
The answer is 5 h 07 min 37 s
